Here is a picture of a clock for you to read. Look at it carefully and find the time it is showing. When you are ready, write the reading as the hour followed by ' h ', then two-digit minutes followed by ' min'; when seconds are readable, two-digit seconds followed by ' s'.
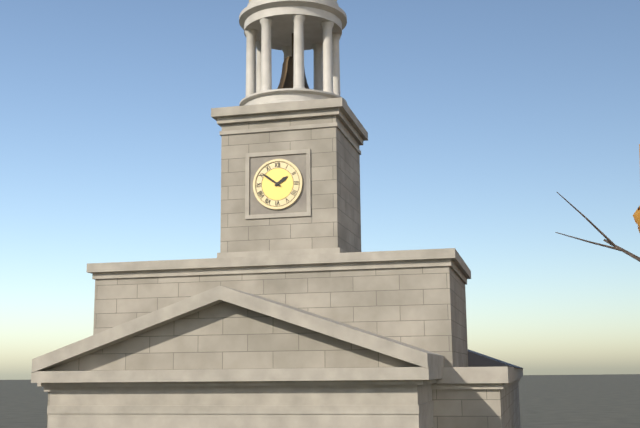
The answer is 1 h 51 min
